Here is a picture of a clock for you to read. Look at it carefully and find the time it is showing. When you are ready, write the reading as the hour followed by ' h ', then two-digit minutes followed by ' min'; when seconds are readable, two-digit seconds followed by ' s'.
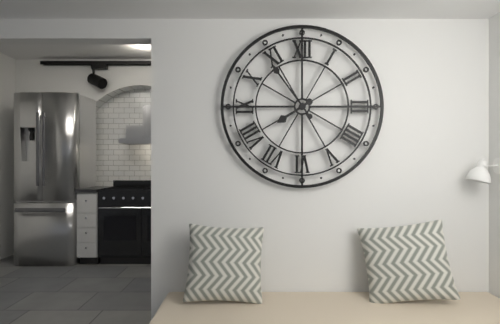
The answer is 7 h 54 min
